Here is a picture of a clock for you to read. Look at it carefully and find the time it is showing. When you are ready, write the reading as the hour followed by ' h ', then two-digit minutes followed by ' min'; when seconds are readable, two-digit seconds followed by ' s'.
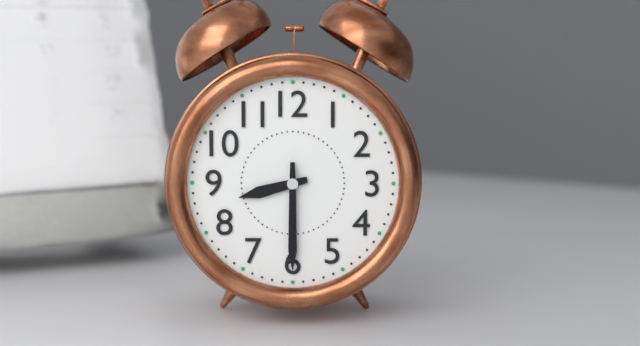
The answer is 8 h 30 min
